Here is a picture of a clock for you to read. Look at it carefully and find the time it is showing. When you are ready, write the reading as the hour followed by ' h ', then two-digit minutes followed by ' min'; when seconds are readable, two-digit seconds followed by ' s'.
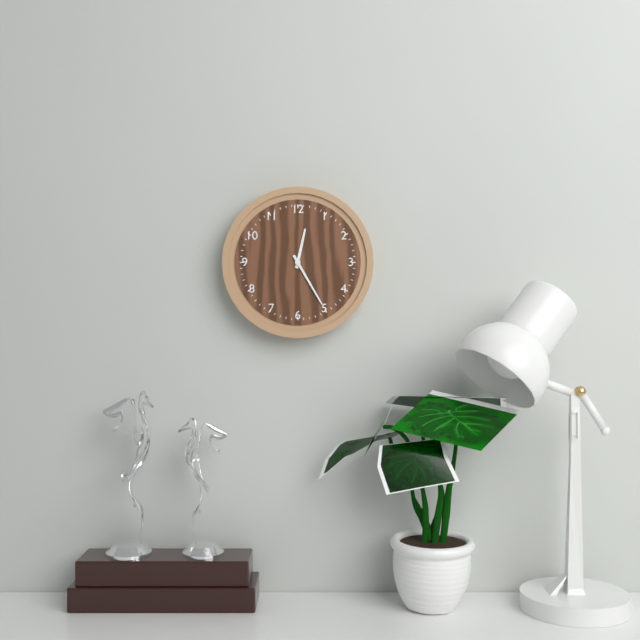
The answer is 12 h 25 min
